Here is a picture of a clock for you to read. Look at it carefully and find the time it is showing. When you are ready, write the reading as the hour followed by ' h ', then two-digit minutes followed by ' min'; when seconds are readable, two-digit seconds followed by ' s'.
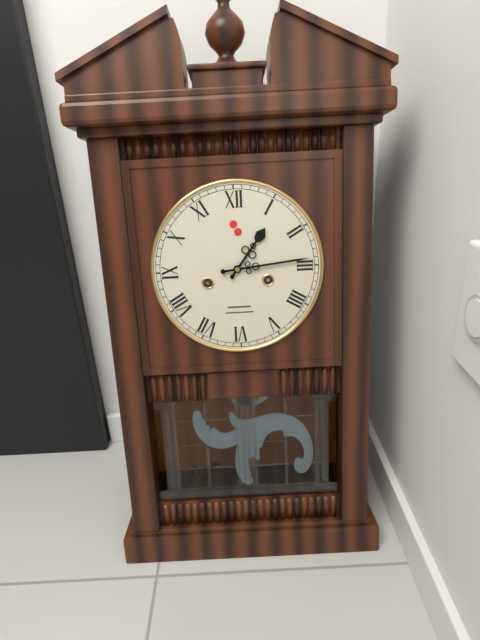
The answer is 1 h 14 min
